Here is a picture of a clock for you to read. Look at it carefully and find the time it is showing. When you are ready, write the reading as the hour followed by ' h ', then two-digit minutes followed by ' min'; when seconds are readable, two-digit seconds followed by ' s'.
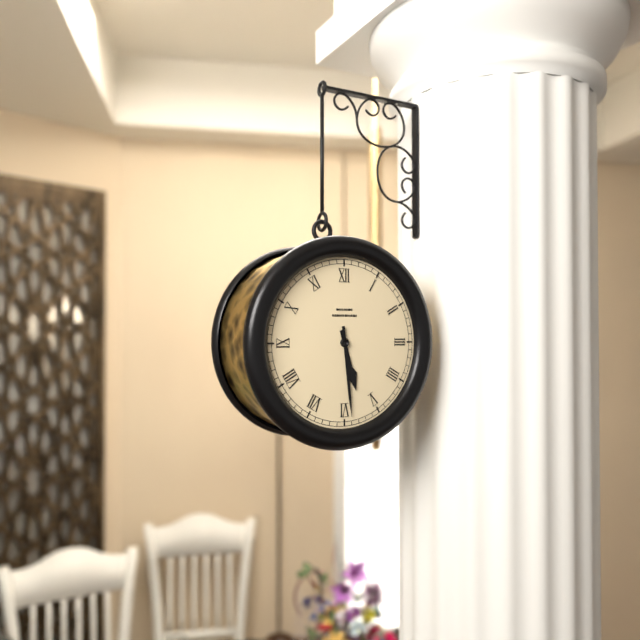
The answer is 5 h 29 min
